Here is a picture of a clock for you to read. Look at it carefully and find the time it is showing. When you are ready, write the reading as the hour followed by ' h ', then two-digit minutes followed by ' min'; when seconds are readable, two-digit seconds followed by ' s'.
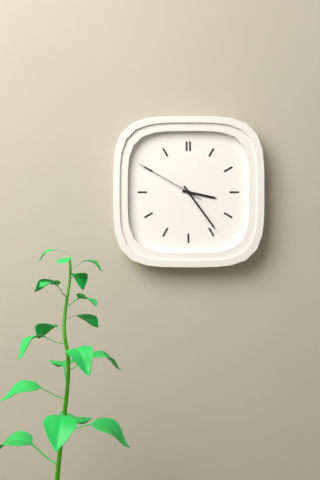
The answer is 3 h 24 min 50 s
